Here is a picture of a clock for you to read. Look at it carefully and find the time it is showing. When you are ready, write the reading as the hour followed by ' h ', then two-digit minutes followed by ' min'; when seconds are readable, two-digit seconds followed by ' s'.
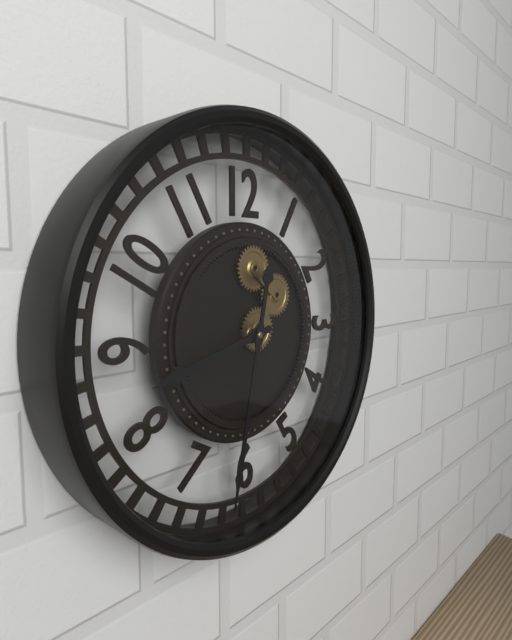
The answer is 8 h 32 min
